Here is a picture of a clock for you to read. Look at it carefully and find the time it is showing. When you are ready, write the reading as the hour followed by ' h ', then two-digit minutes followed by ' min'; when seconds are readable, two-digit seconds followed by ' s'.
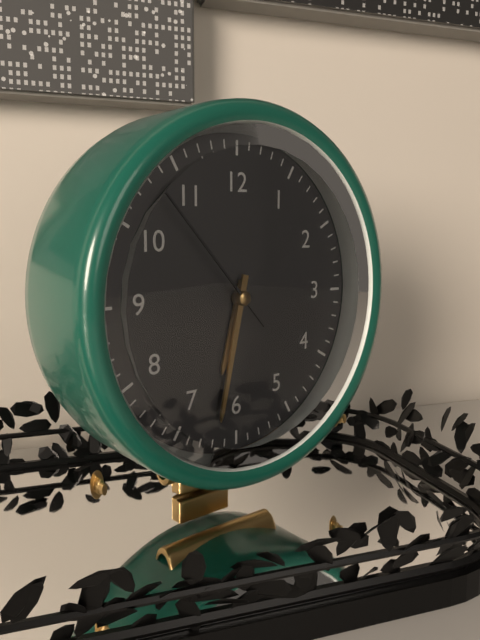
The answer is 6 h 32 min 53 s
